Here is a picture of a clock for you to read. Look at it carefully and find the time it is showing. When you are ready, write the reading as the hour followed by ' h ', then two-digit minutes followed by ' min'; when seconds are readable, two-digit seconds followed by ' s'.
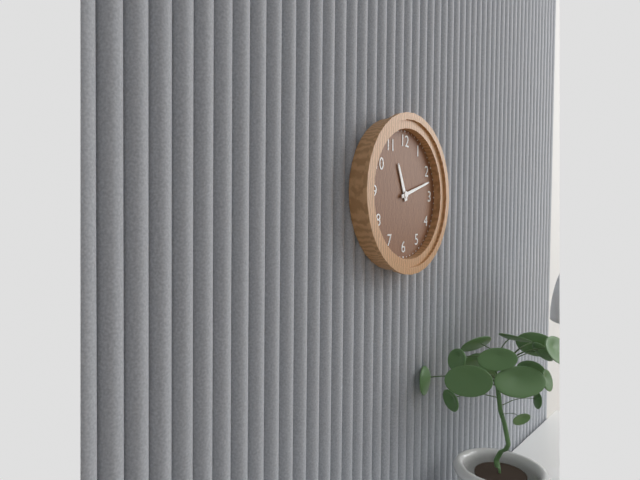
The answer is 11 h 12 min
